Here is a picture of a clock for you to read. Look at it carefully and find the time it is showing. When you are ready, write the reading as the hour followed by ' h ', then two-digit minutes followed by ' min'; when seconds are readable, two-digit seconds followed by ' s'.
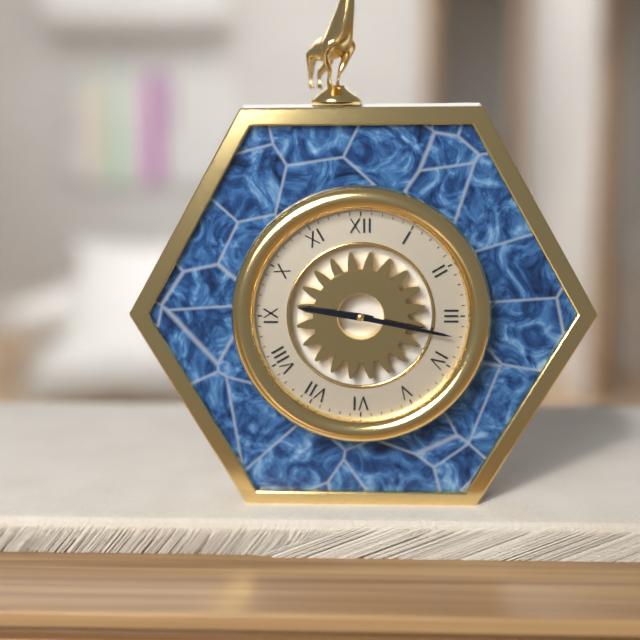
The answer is 9 h 17 min
